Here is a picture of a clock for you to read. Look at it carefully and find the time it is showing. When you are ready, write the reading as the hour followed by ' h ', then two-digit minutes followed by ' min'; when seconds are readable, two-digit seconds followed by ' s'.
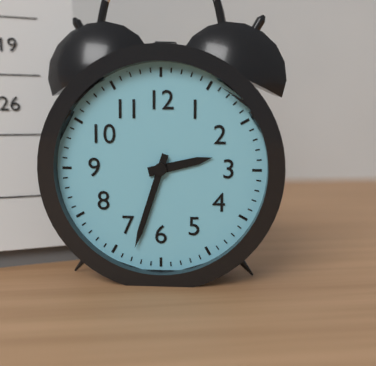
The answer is 2 h 33 min
